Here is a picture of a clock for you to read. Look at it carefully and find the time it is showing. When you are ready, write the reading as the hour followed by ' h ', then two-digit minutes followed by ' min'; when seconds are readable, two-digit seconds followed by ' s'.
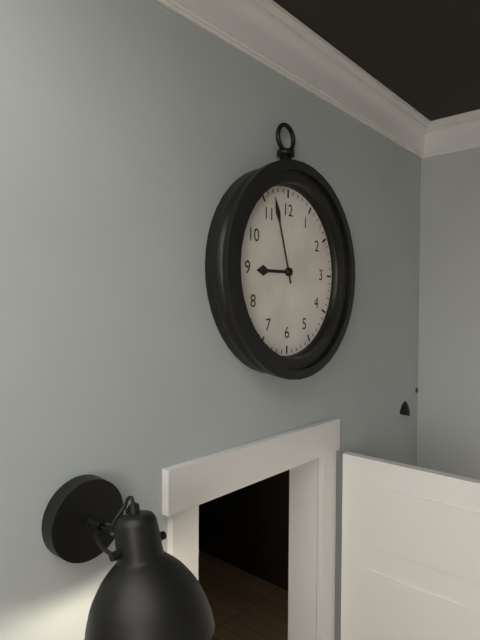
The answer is 8 h 57 min
